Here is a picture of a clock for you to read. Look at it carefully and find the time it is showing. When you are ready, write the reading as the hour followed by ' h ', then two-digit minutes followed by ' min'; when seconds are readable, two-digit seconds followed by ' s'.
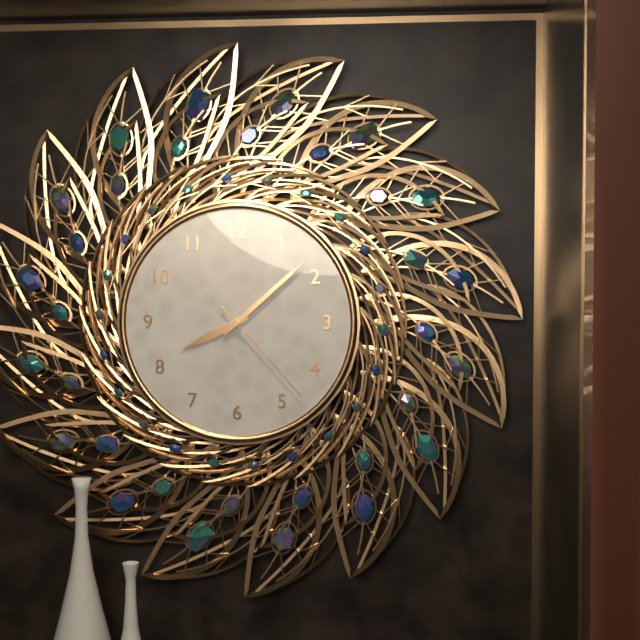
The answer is 8 h 08 min 23 s
